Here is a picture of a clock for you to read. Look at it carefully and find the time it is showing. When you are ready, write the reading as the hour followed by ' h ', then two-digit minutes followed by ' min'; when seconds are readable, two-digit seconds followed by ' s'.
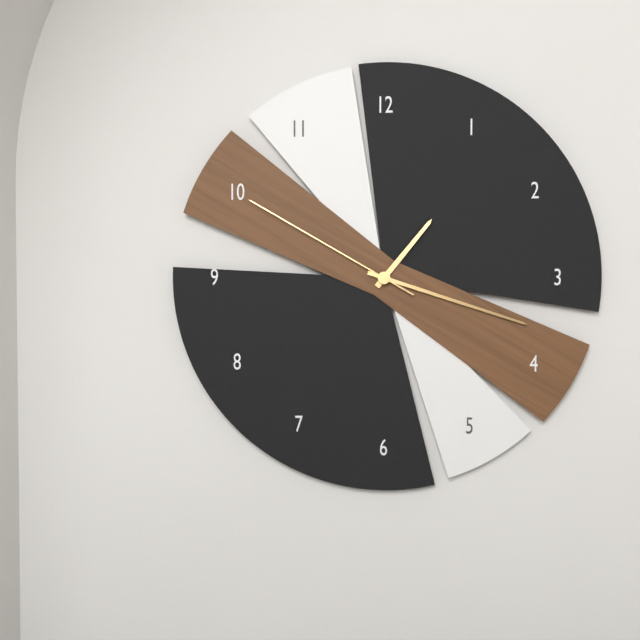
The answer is 1 h 18 min 50 s
